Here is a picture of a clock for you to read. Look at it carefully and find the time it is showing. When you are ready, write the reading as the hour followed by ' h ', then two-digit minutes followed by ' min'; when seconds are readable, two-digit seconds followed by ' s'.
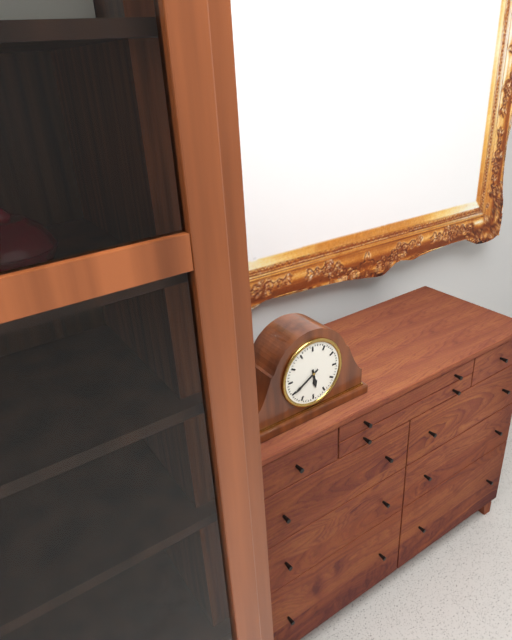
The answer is 5 h 40 min
